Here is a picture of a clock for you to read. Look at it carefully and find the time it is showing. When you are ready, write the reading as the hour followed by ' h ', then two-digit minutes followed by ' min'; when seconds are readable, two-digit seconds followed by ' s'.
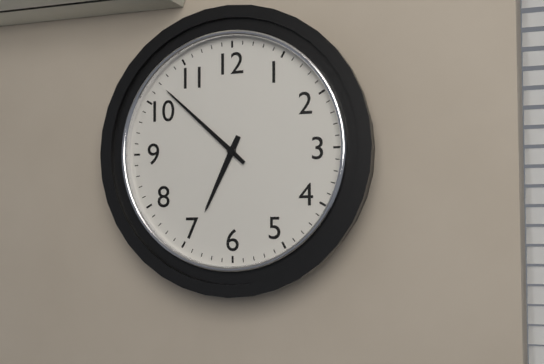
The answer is 6 h 52 min
